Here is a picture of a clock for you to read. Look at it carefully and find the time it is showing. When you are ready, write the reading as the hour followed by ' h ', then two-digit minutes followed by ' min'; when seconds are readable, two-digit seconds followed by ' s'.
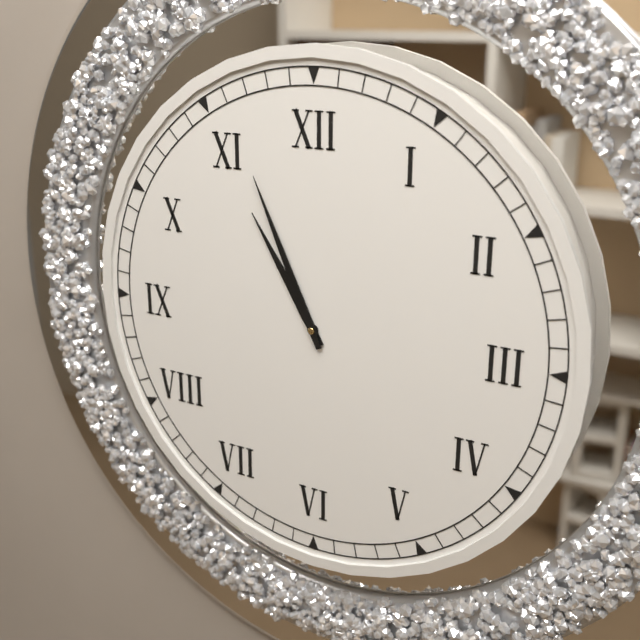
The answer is 10 h 56 min
